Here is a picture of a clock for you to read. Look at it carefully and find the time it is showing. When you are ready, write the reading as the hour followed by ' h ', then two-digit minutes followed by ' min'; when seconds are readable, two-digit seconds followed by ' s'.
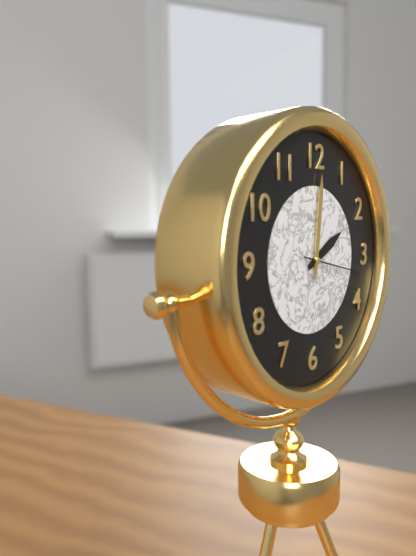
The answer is 2 h 01 min 17 s
